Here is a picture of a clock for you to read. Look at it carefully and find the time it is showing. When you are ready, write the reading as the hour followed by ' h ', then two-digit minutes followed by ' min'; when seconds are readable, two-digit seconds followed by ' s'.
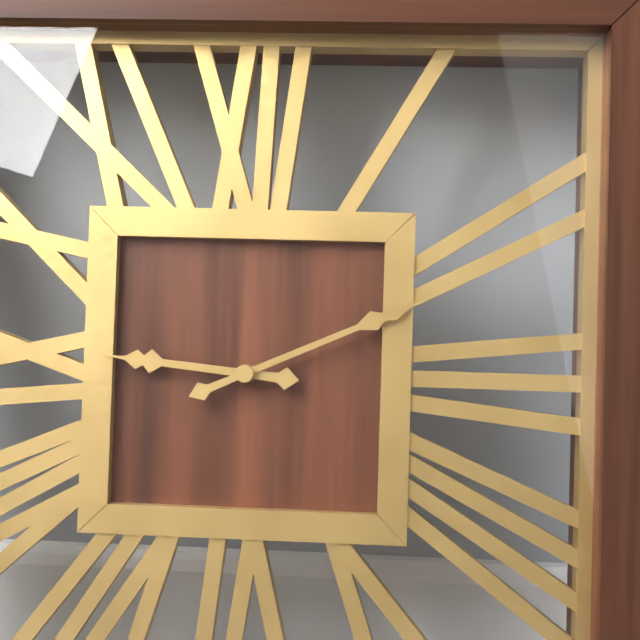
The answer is 9 h 11 min
